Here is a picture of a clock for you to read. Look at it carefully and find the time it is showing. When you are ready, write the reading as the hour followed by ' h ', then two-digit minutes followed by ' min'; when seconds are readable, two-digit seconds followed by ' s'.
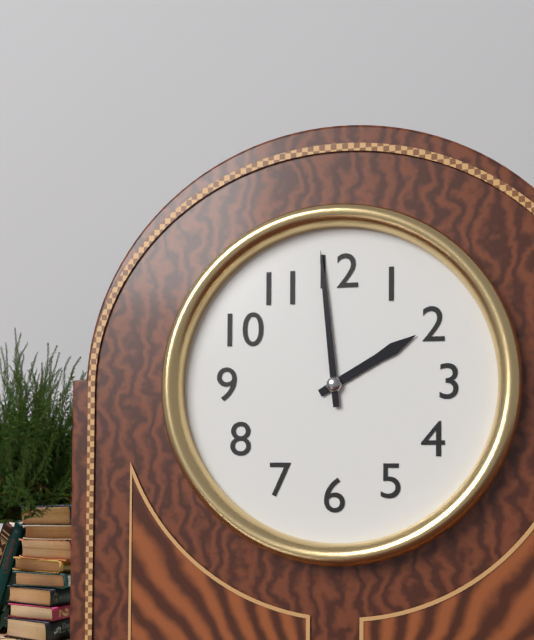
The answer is 1 h 59 min
